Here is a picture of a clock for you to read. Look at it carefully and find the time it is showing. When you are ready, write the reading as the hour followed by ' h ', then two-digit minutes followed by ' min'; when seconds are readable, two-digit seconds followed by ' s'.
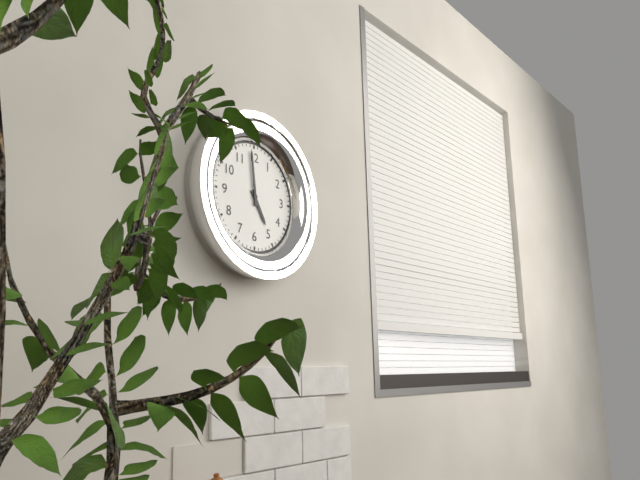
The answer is 4 h 59 min
